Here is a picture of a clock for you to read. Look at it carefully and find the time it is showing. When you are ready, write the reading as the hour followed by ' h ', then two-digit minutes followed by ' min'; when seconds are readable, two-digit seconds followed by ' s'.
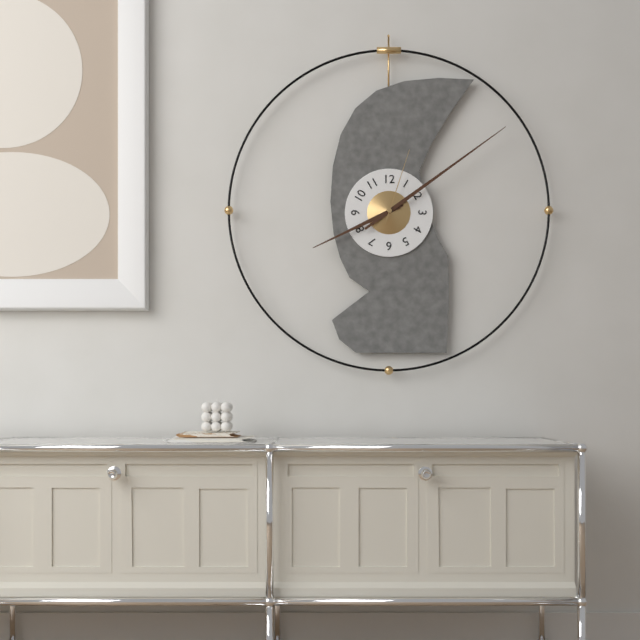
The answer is 8 h 09 min 03 s
